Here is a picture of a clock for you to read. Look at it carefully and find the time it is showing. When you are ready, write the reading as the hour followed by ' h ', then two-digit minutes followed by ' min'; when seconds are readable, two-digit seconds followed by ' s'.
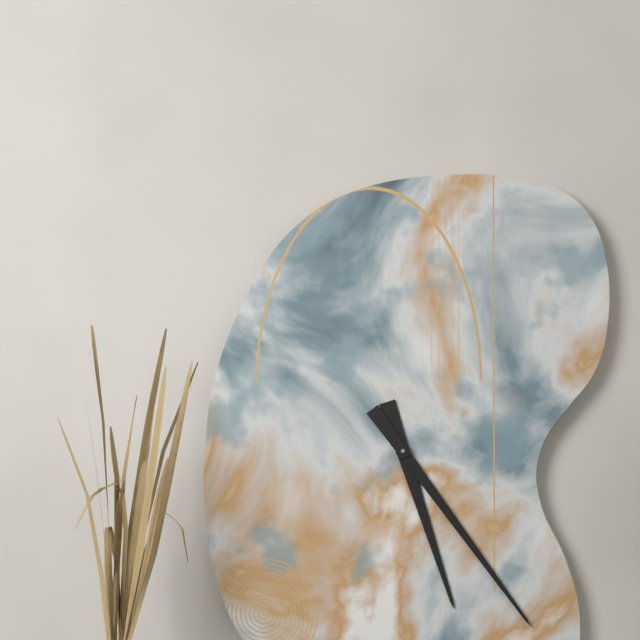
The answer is 5 h 24 min
